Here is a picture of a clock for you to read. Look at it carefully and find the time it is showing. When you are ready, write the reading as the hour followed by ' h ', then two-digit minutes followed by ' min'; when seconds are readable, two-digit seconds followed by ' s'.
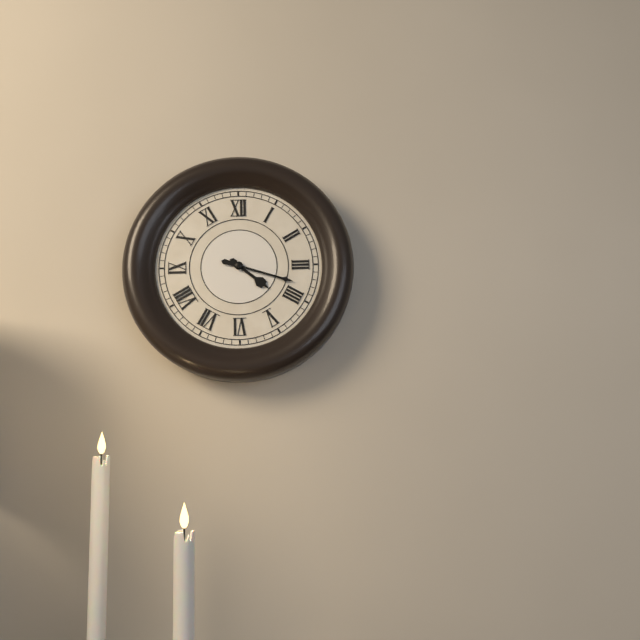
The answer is 4 h 18 min
